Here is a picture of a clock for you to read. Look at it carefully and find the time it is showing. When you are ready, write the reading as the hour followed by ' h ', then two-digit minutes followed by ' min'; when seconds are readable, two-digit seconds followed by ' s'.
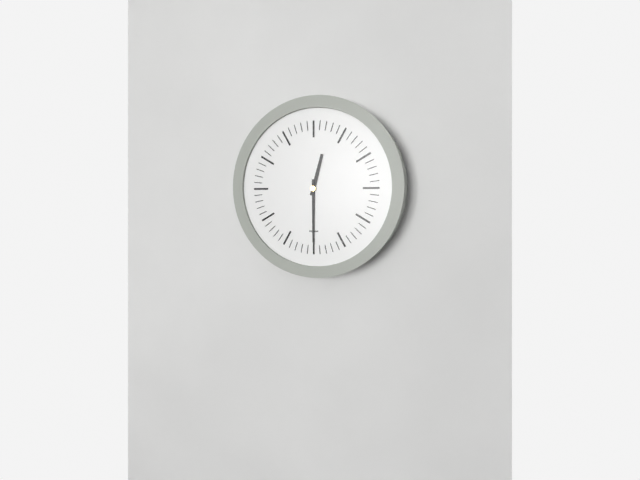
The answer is 12 h 30 min
